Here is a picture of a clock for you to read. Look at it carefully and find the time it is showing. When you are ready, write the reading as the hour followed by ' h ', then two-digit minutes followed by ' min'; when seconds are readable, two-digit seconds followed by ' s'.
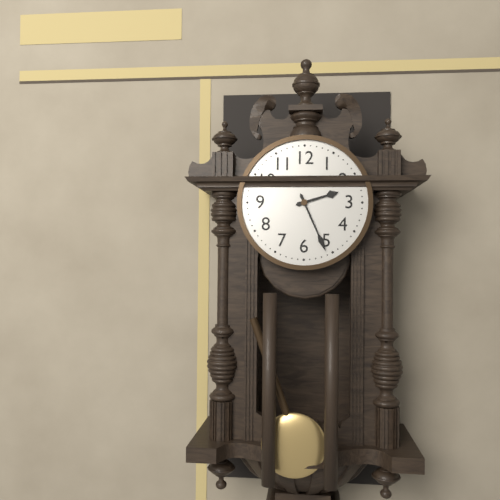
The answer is 2 h 26 min
